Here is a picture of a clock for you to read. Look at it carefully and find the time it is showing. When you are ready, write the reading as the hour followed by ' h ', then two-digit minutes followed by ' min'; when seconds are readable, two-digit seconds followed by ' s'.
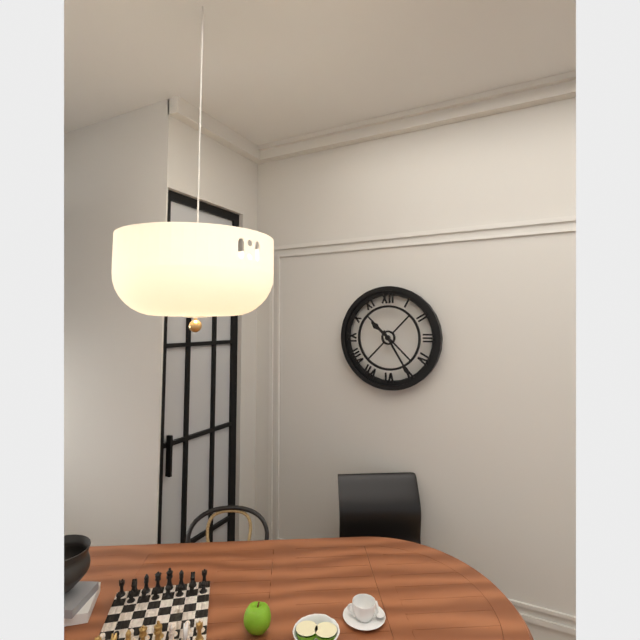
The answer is 10 h 25 min
